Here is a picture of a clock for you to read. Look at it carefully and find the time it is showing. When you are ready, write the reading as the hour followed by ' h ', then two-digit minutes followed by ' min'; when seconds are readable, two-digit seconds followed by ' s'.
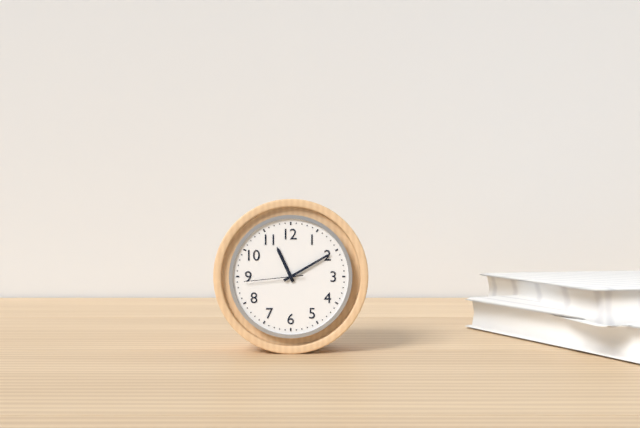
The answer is 11 h 10 min 44 s
